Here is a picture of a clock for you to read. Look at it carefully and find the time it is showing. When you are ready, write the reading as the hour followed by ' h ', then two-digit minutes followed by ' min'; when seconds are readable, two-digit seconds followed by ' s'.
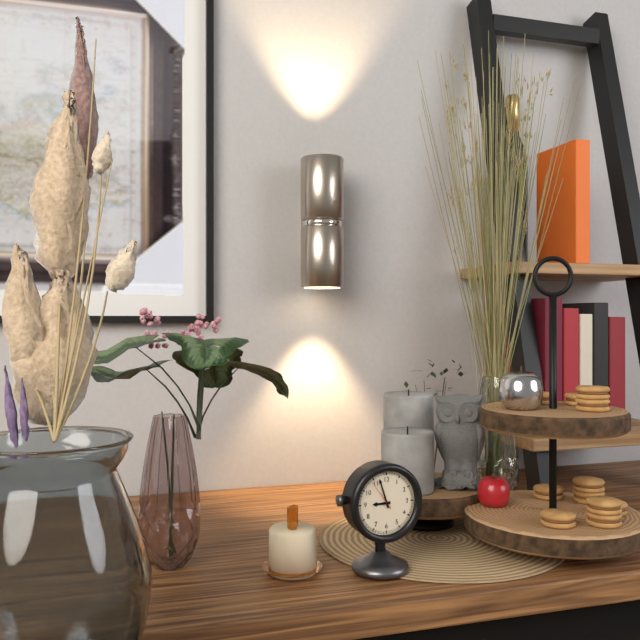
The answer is 8 h 57 min
